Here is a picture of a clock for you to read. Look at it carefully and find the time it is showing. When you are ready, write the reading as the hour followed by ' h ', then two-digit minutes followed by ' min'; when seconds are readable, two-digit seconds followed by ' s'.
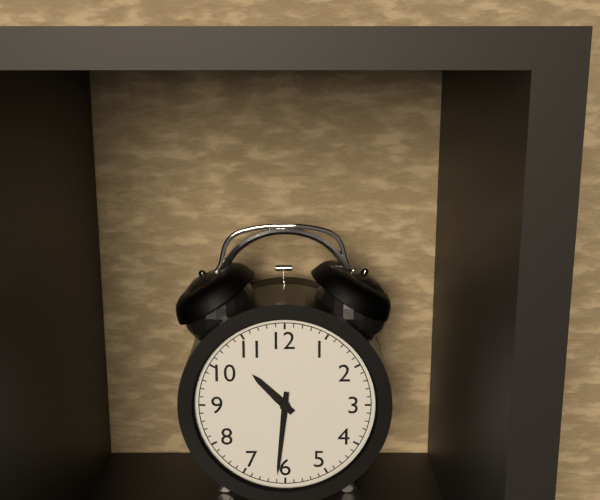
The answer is 10 h 31 min
